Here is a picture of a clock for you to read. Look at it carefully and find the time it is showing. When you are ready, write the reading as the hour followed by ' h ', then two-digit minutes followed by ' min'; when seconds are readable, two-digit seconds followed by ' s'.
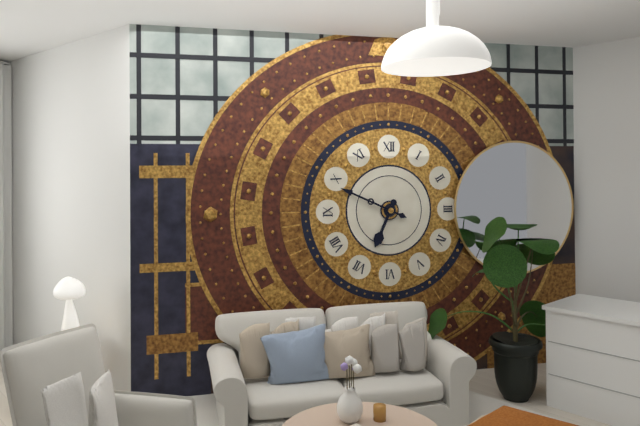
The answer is 6 h 49 min
